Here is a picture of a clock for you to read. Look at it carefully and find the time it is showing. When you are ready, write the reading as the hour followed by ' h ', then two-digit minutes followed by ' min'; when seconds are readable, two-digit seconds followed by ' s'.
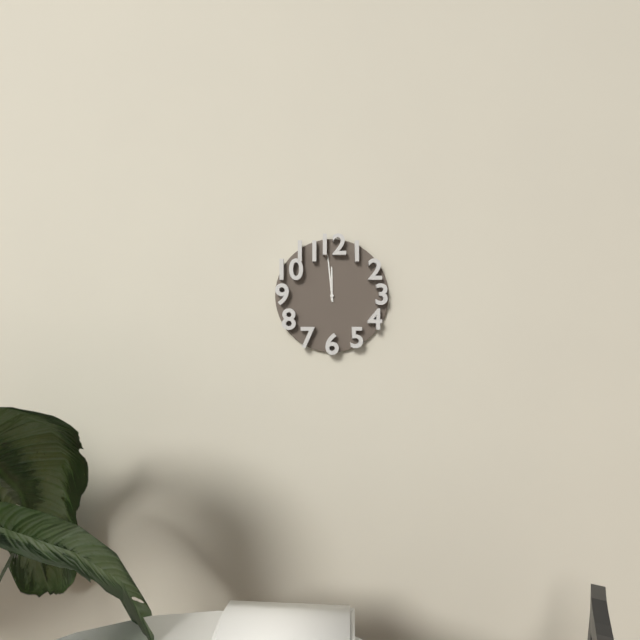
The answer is 11 h 59 min
